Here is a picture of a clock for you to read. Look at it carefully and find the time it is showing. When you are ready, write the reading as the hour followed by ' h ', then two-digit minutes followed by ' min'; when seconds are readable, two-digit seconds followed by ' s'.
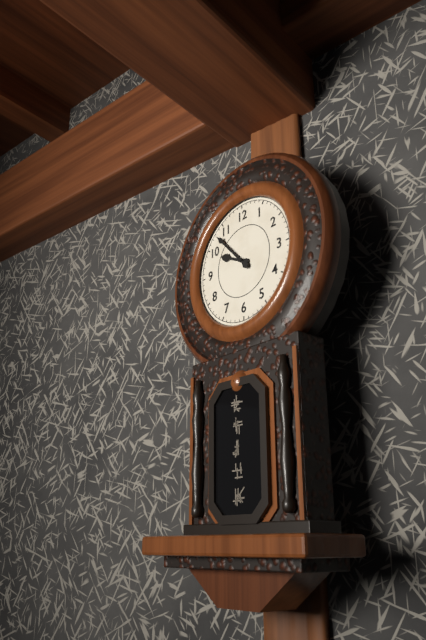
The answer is 9 h 53 min
